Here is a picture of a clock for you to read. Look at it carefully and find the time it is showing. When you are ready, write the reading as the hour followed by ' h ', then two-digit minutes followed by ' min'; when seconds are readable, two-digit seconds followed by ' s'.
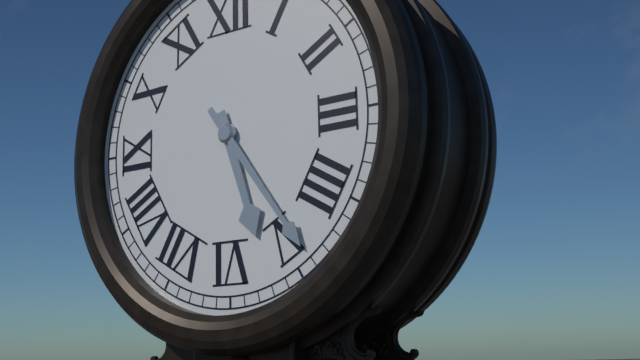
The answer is 5 h 24 min
